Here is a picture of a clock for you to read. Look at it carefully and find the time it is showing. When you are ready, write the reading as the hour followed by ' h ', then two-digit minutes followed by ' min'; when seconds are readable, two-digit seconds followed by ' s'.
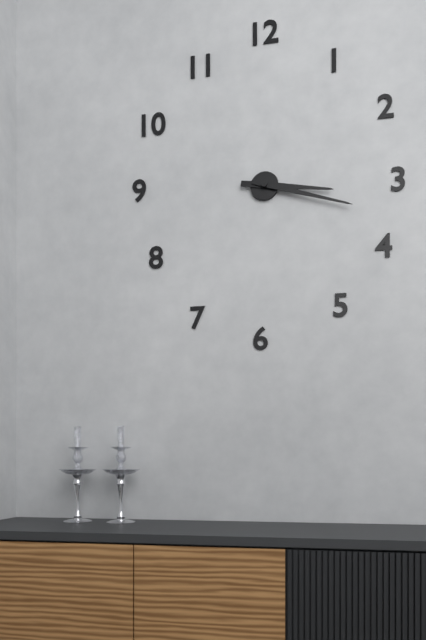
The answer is 3 h 18 min
